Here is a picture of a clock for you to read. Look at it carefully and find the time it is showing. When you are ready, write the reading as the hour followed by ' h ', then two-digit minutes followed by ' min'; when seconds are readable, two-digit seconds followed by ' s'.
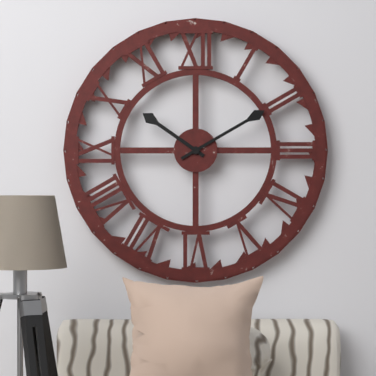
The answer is 10 h 10 min
